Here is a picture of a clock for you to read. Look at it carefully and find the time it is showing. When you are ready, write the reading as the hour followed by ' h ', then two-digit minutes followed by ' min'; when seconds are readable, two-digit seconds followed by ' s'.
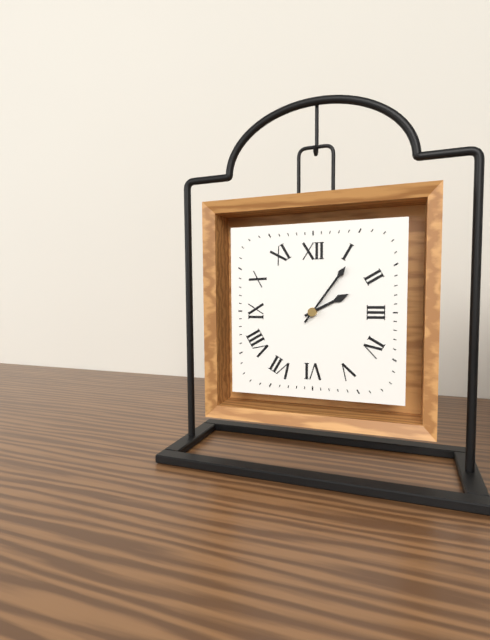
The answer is 2 h 06 min
